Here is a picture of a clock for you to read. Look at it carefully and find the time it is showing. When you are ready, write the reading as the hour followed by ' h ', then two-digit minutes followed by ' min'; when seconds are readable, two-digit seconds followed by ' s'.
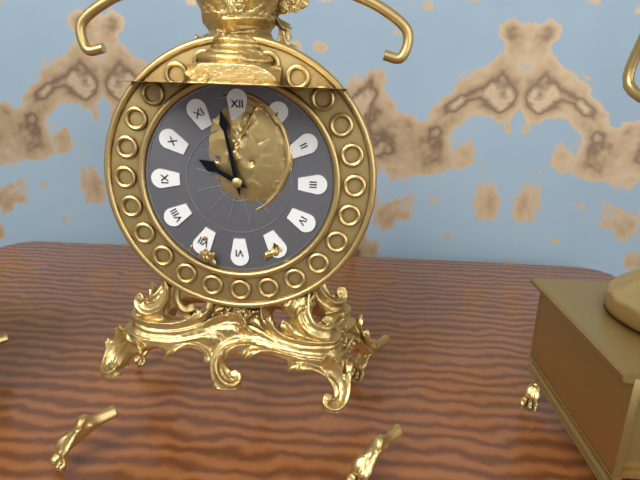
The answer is 9 h 58 min
